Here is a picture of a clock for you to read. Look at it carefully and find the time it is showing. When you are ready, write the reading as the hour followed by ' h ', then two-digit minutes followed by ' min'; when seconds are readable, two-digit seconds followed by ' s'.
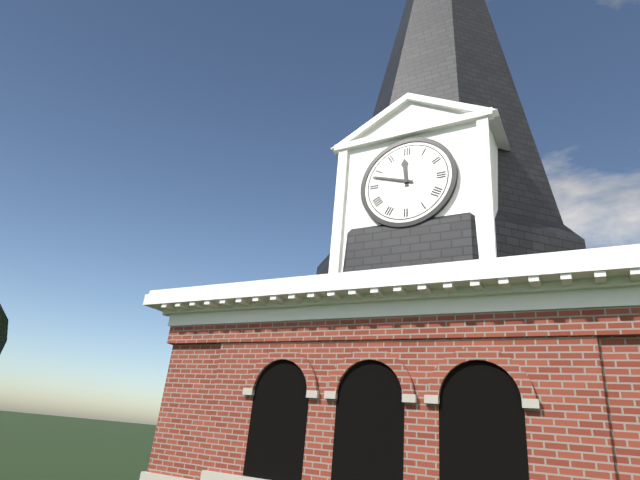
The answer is 11 h 48 min
